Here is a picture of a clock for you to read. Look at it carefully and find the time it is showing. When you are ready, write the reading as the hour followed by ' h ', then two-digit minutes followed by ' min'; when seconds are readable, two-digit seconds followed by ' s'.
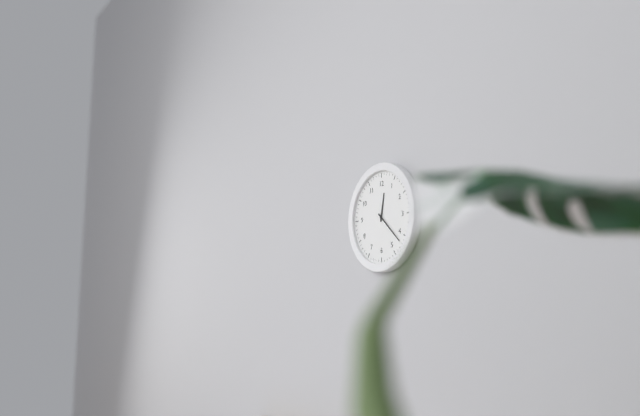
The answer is 12 h 22 min
